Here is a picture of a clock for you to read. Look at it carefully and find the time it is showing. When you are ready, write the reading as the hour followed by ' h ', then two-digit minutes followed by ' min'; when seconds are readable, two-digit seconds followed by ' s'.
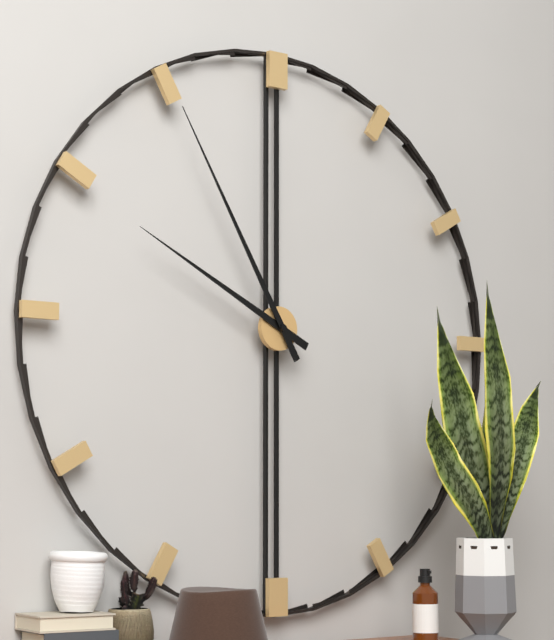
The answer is 9 h 55 min
